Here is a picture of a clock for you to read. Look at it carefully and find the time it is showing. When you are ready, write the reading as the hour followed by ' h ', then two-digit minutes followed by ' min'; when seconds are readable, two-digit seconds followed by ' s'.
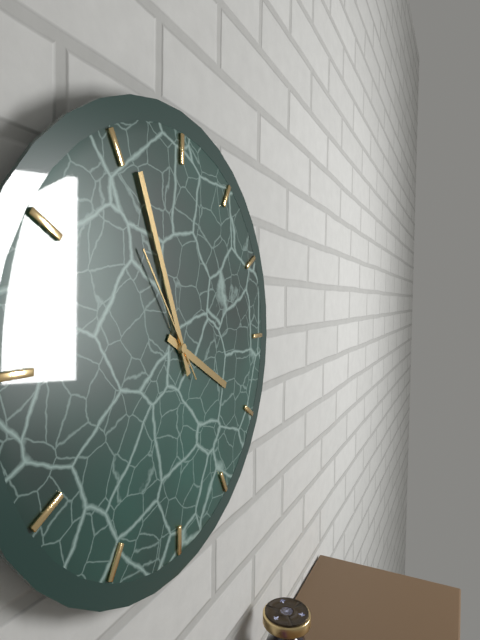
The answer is 3 h 56 min 54 s
